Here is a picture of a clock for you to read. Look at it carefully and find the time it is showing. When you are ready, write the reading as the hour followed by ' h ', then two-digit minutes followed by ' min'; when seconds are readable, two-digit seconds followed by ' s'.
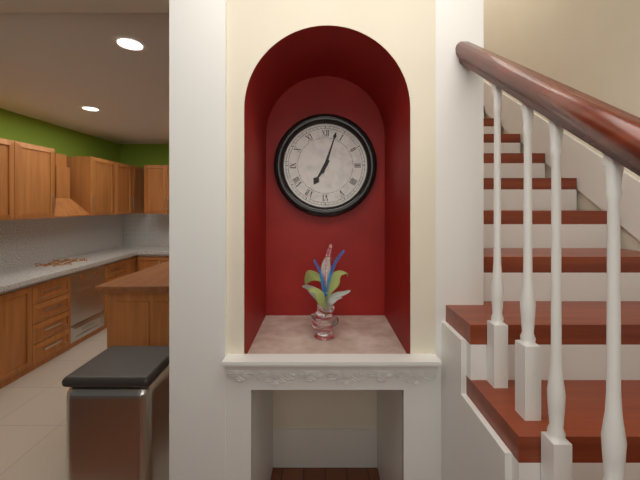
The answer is 7 h 03 min
